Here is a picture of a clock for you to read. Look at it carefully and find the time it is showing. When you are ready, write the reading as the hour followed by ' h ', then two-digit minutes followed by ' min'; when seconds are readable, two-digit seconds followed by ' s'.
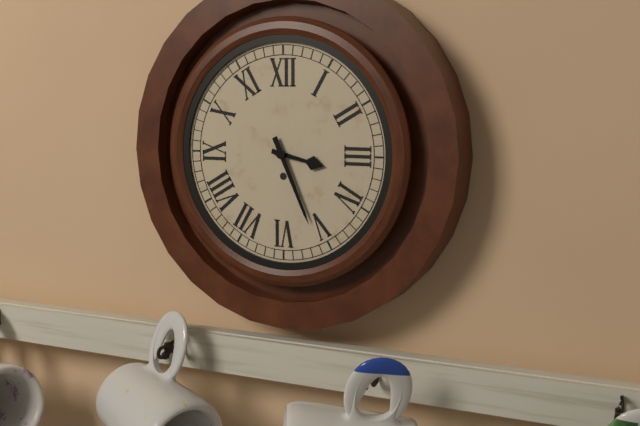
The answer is 3 h 26 min
